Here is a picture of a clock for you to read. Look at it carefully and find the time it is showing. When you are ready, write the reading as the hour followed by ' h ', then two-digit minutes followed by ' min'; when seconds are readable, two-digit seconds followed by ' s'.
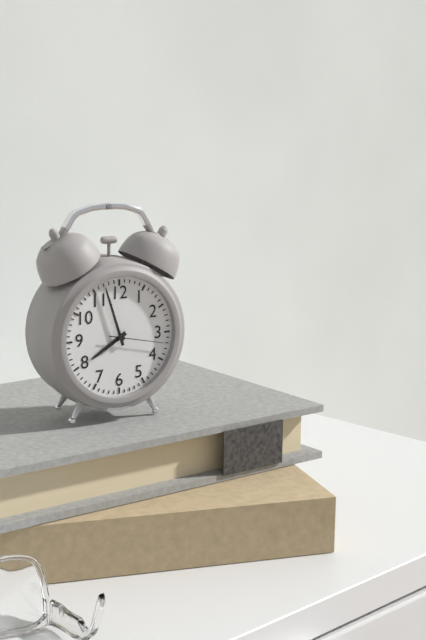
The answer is 7 h 57 min 17 s
